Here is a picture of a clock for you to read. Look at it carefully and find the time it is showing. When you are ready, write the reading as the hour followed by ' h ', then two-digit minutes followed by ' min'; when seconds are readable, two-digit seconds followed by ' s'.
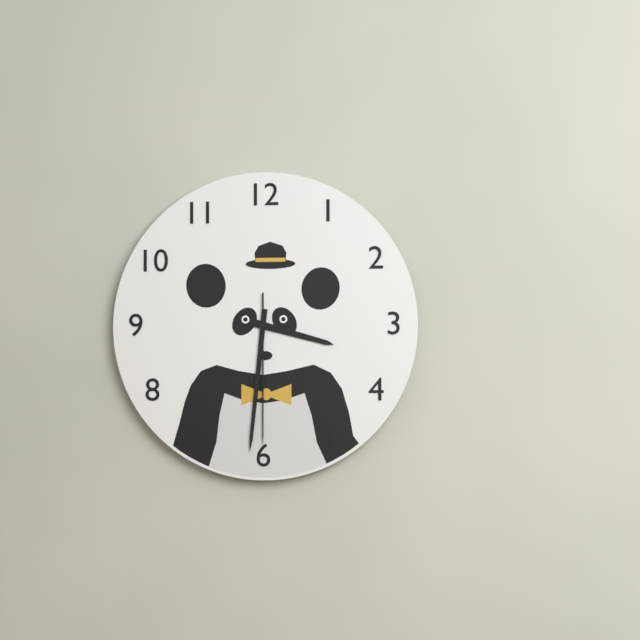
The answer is 3 h 31 min 30 s
